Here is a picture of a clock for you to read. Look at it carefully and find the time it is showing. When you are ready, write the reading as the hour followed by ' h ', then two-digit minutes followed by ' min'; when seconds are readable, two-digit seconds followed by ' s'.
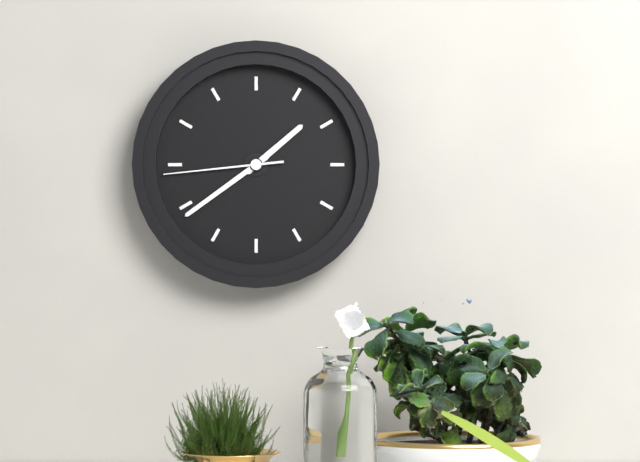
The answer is 1 h 39 min 44 s
